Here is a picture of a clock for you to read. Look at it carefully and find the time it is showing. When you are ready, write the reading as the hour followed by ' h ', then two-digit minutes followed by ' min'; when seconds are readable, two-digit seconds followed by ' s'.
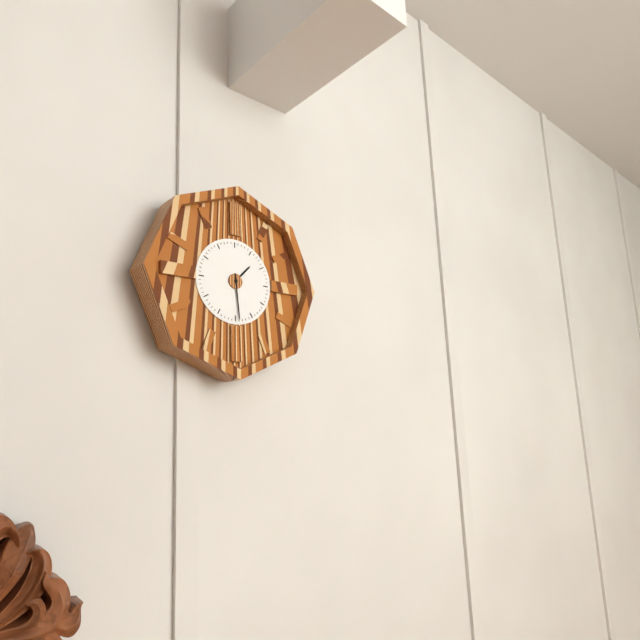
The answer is 1 h 29 min
